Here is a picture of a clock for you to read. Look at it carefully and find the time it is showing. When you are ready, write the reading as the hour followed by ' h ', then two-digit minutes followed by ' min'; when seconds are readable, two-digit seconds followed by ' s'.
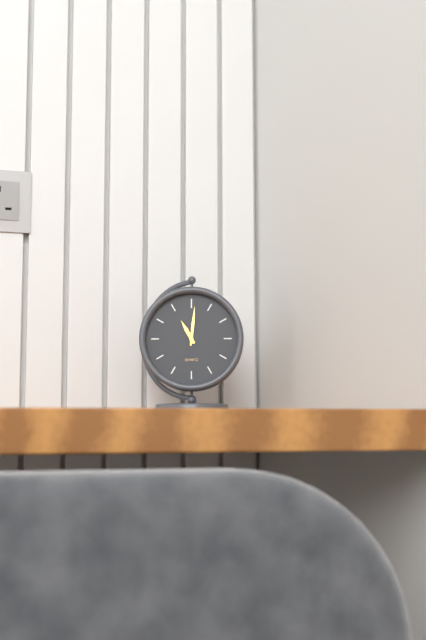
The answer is 11 h 01 min
